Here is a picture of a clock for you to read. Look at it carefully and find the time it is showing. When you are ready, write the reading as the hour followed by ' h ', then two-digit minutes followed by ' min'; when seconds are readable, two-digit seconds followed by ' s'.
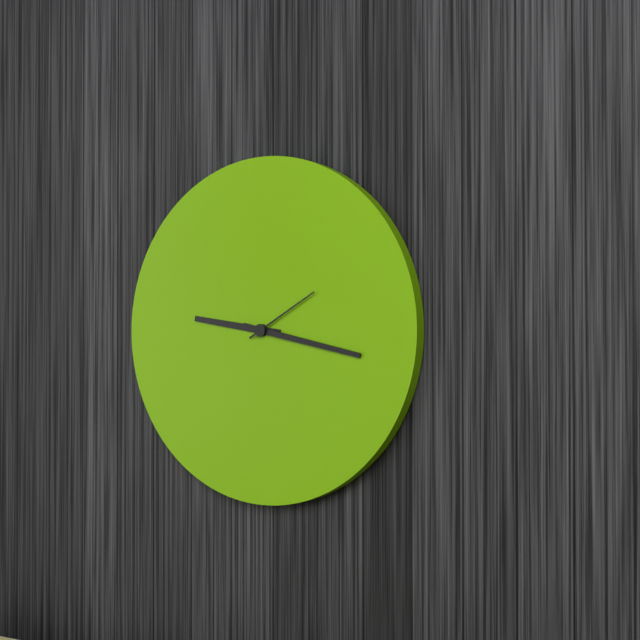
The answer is 9 h 17 min 10 s
